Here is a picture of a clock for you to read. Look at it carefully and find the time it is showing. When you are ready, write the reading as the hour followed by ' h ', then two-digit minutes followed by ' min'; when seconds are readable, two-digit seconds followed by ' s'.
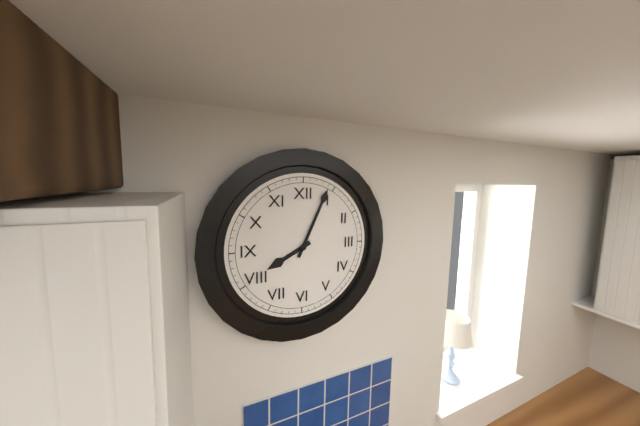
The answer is 8 h 04 min
